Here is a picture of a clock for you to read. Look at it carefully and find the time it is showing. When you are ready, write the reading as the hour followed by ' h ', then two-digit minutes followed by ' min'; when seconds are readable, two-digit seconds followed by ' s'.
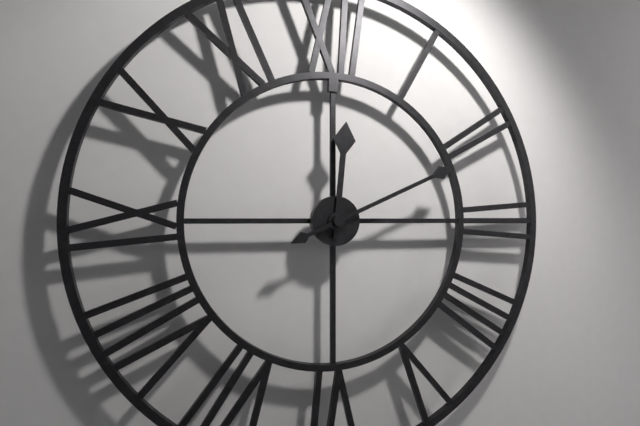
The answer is 12 h 11 min
